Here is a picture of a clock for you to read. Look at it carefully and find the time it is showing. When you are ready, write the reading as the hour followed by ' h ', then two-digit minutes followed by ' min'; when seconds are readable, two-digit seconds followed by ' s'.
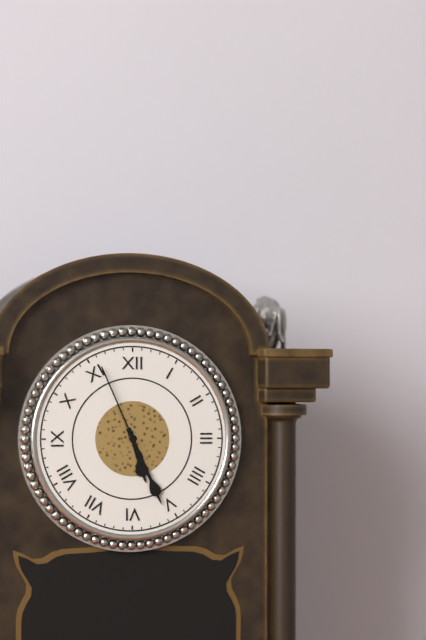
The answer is 5 h 26 min 56 s
